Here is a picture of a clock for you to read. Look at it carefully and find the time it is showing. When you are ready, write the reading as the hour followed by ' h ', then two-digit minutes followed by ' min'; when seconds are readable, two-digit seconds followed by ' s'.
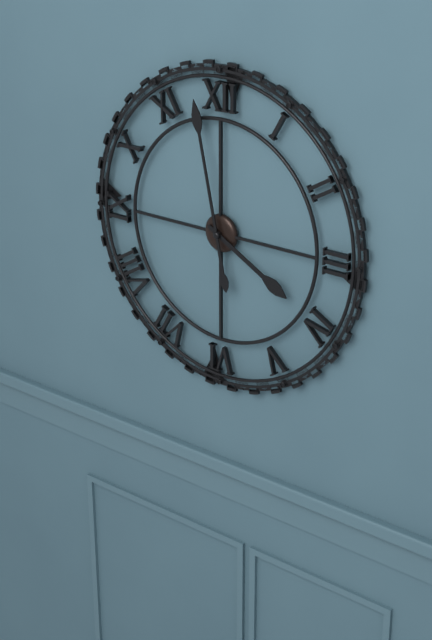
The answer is 3 h 58 min
